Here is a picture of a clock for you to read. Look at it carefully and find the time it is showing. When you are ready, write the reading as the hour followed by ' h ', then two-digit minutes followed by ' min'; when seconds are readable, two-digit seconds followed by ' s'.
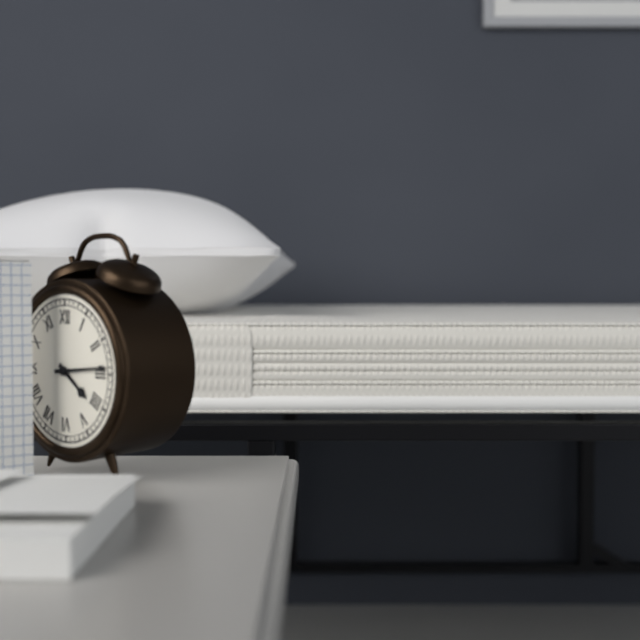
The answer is 4 h 14 min
